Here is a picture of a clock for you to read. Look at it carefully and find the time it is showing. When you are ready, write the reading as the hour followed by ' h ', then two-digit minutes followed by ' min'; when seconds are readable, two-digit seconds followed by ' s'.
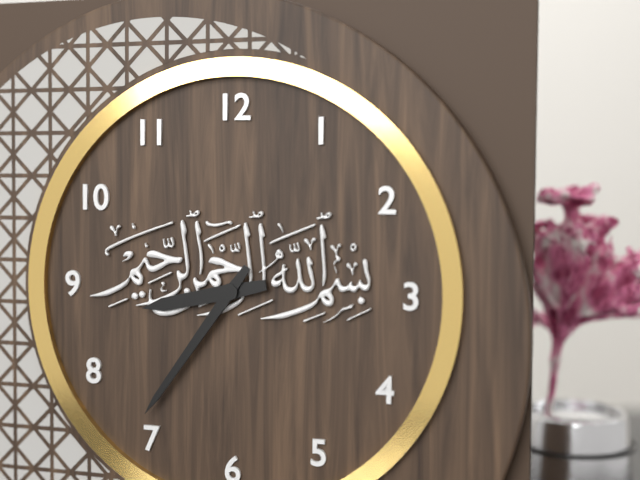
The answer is 8 h 36 min
